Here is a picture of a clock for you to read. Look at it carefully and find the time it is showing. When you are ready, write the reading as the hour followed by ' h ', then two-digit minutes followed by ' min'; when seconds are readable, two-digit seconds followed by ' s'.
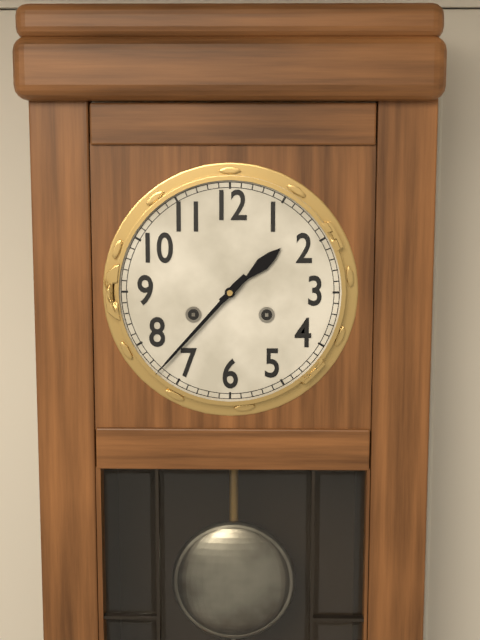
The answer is 1 h 37 min
